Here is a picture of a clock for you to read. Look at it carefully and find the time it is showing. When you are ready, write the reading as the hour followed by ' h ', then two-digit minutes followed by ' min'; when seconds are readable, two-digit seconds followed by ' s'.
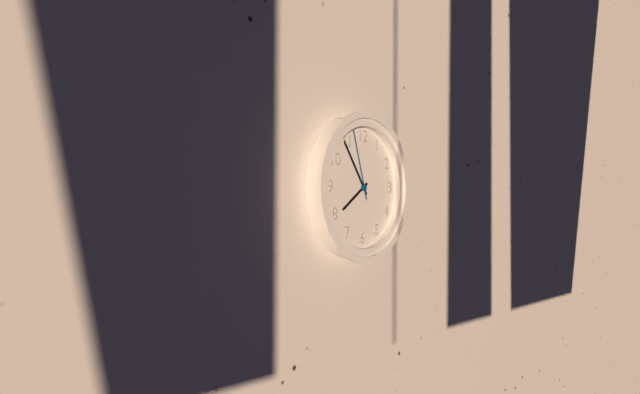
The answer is 7 h 54 min 57 s
